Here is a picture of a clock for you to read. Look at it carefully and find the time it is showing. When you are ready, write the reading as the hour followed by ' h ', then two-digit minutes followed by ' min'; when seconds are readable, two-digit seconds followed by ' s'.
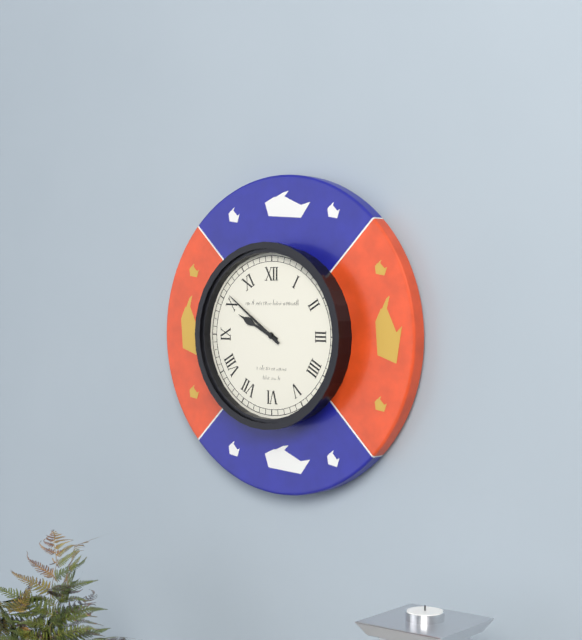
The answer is 9 h 51 min
